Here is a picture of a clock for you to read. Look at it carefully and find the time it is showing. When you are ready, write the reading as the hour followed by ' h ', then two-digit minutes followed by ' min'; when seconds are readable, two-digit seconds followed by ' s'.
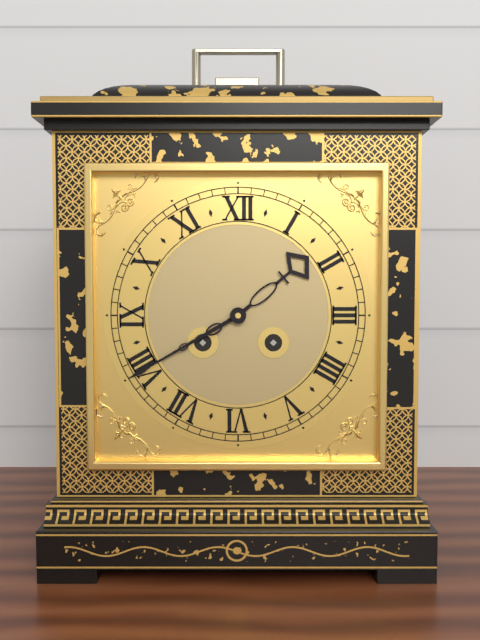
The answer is 1 h 40 min
